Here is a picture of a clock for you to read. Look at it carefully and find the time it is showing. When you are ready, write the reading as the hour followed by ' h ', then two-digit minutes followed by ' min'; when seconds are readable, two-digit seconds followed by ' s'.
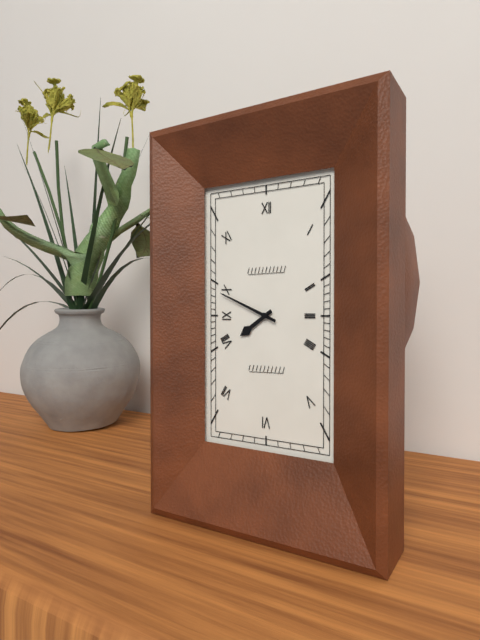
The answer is 7 h 49 min
